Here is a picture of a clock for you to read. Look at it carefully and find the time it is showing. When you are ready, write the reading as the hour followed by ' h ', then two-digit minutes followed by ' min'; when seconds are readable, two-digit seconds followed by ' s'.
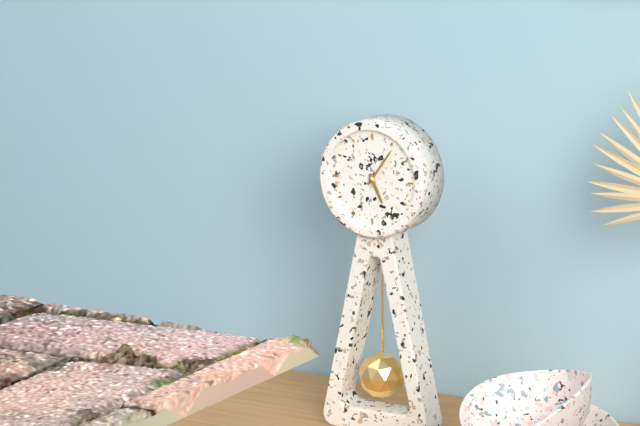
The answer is 5 h 06 min
